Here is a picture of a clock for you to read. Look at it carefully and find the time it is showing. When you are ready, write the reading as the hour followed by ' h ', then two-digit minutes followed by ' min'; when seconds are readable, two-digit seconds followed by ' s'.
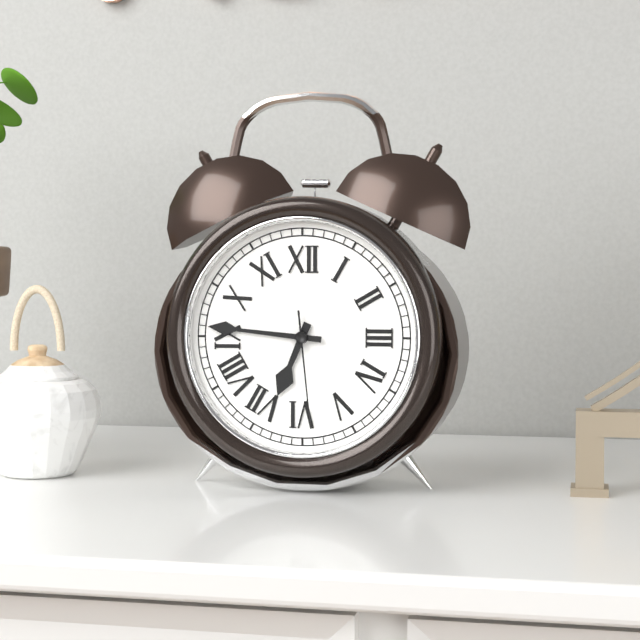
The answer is 6 h 46 min 29 s
